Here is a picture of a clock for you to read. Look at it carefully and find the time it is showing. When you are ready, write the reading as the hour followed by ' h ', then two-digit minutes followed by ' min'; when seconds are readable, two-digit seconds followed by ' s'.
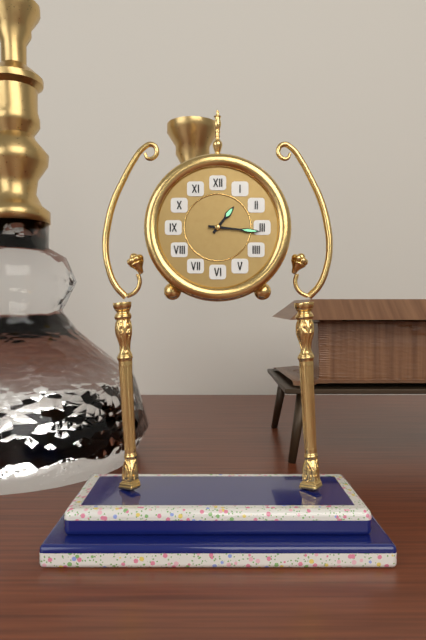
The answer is 1 h 16 min
